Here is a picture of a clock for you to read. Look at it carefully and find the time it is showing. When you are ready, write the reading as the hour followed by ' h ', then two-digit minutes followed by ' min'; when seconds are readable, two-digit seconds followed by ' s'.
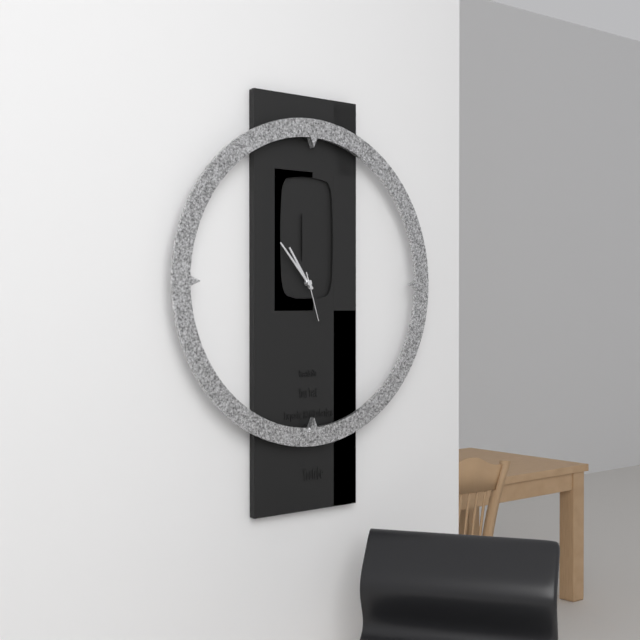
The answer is 10 h 53 min
